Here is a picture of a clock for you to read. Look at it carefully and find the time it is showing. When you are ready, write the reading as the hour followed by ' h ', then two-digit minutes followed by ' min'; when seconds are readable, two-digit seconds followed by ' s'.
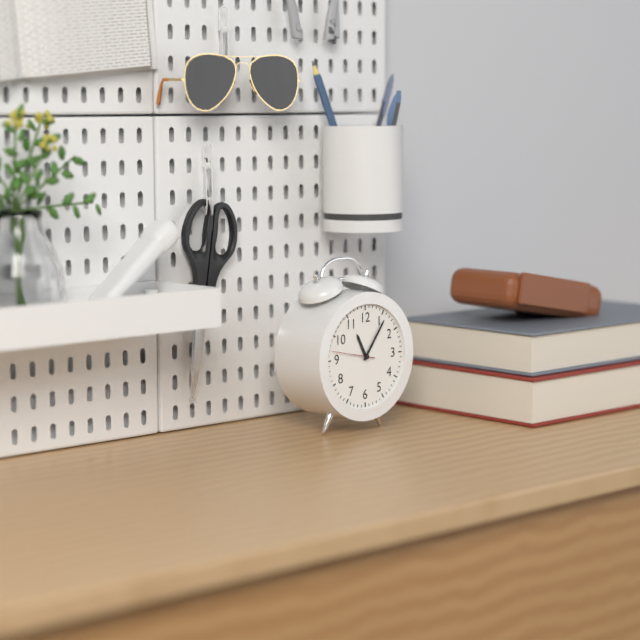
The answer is 11 h 06 min
